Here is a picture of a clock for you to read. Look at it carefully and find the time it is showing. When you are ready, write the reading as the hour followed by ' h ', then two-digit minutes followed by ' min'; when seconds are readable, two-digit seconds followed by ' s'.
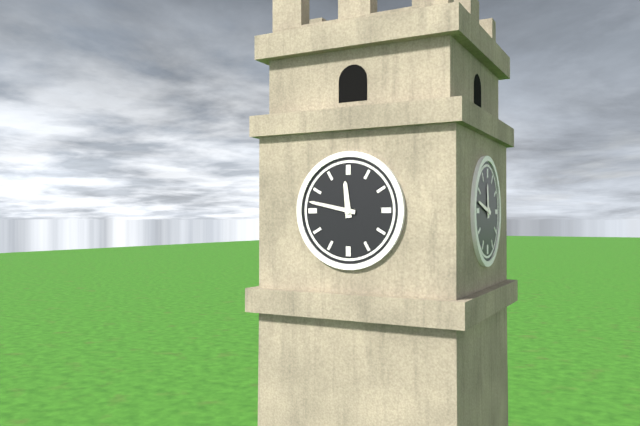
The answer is 11 h 47 min
